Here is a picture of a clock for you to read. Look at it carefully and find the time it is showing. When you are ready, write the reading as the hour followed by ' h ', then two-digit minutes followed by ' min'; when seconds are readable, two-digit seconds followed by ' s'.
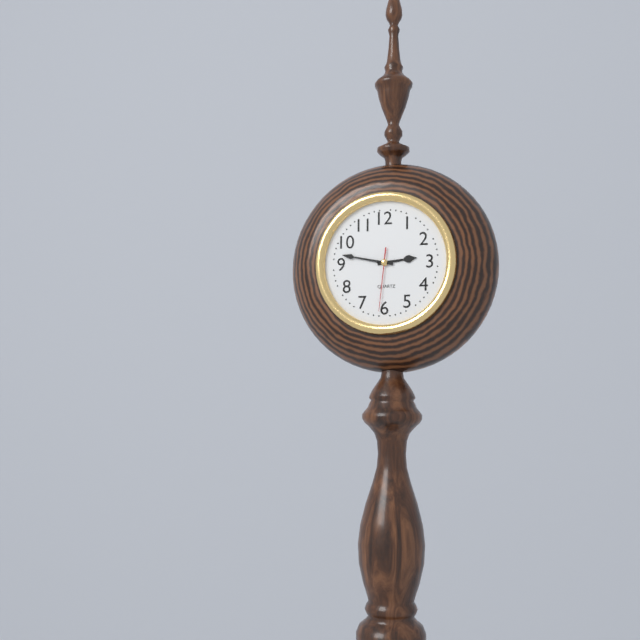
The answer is 2 h 47 min 31 s
